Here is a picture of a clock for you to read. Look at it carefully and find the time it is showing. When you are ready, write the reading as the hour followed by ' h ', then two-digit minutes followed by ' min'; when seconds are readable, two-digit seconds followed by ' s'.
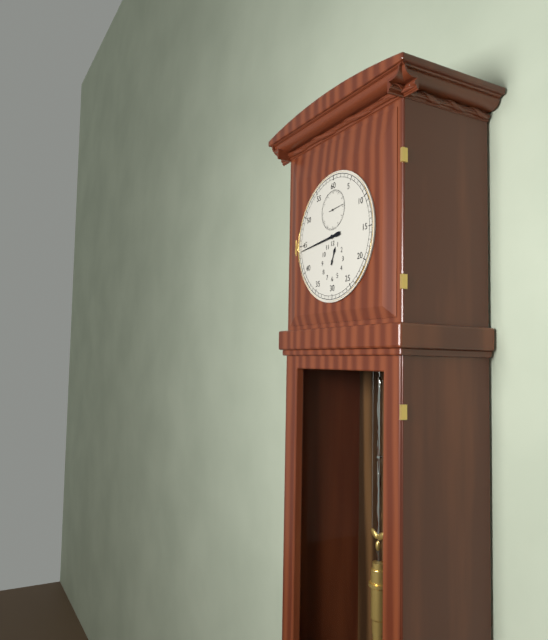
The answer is 12 h 44 min
